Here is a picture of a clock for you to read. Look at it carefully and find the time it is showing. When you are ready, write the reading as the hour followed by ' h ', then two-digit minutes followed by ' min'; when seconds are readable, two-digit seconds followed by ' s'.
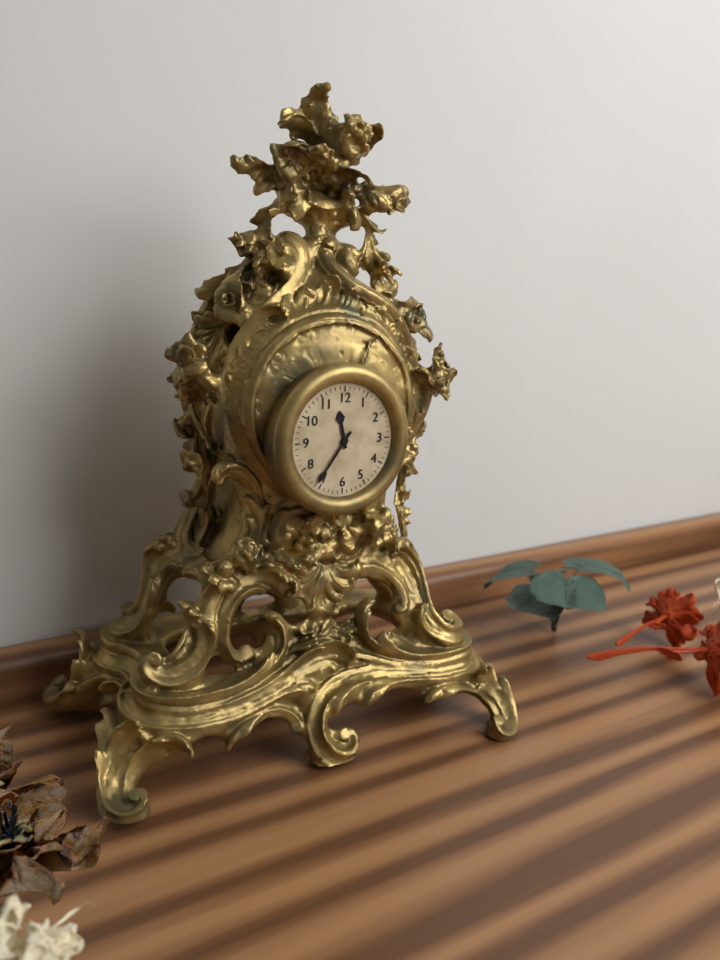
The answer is 11 h 36 min
